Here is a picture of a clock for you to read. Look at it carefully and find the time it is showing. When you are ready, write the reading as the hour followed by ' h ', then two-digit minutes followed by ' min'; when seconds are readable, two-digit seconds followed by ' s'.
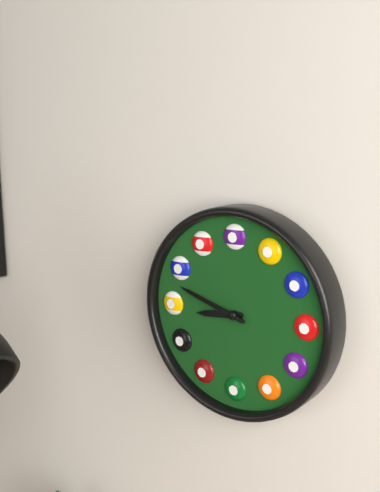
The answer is 8 h 48 min
